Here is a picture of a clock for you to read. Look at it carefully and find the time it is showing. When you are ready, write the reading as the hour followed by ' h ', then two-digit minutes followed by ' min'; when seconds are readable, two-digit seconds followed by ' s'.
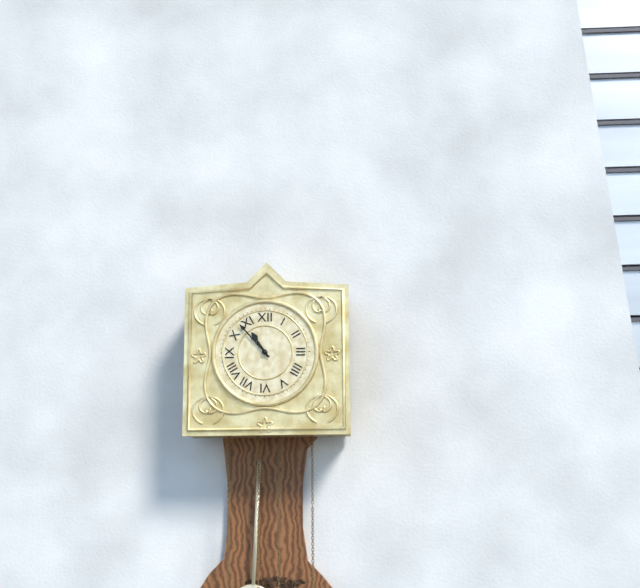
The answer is 10 h 53 min
